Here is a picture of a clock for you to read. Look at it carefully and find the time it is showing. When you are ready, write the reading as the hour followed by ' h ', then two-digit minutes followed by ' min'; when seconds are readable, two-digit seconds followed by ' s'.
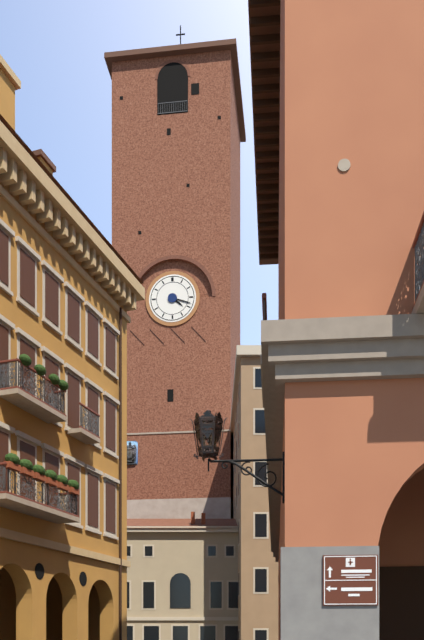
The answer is 4 h 18 min
